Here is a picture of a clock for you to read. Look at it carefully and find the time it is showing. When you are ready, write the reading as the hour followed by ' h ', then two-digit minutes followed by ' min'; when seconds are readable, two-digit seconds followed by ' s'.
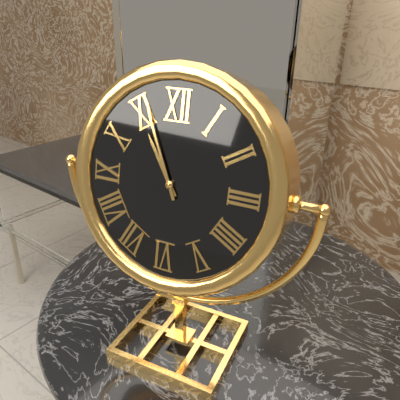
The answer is 10 h 56 min
